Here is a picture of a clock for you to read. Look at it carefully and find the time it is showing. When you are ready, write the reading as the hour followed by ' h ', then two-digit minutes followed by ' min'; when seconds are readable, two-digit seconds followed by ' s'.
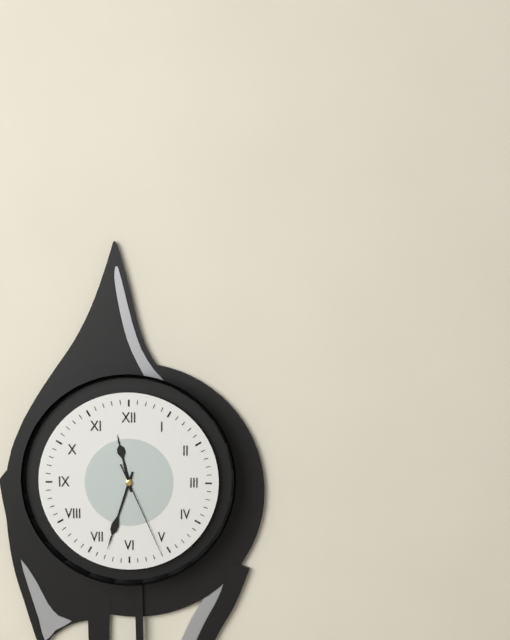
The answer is 11 h 33 min 26 s
